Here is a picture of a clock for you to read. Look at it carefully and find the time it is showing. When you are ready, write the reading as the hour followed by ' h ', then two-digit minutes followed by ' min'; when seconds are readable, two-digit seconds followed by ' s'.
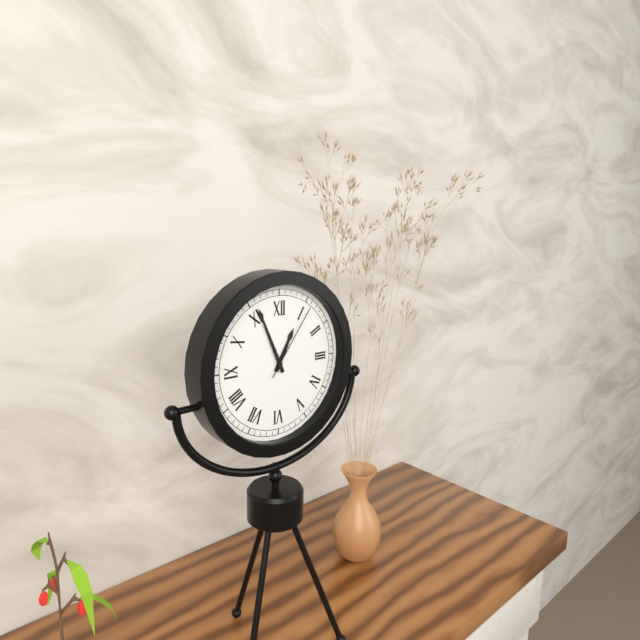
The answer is 12 h 56 min 06 s
